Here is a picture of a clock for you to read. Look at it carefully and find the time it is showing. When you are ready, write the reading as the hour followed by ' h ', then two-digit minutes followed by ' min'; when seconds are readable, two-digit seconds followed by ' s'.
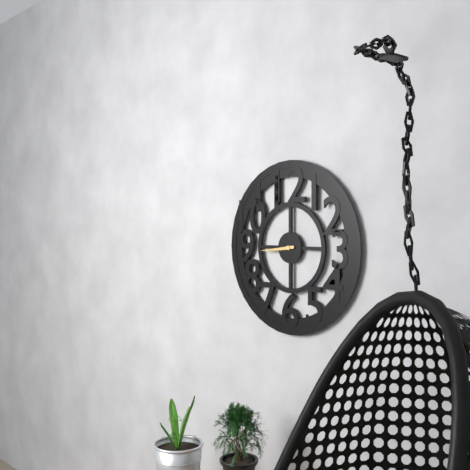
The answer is 8 h 44 min
